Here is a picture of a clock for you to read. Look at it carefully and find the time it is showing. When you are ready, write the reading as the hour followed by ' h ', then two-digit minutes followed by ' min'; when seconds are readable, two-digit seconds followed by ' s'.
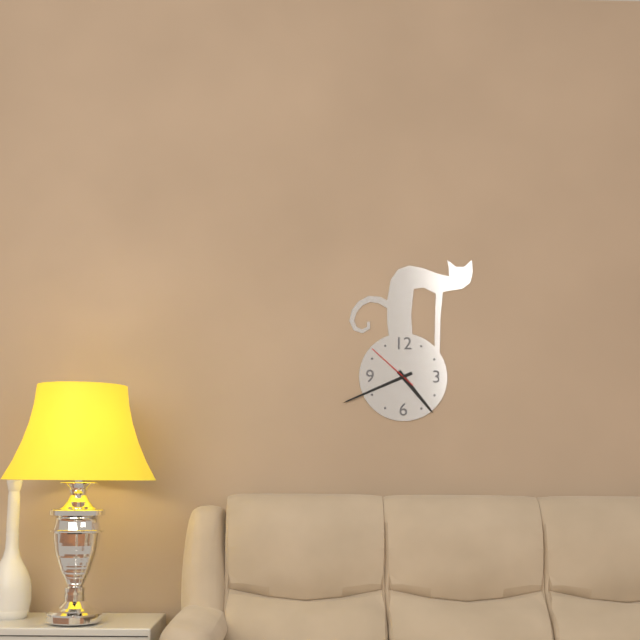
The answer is 4 h 41 min 52 s
